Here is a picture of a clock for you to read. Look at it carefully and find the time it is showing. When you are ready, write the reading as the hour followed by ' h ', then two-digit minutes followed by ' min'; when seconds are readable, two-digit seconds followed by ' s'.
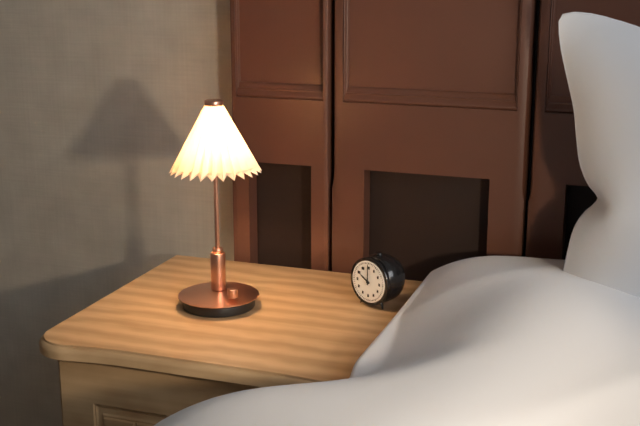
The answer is 10 h 00 min
